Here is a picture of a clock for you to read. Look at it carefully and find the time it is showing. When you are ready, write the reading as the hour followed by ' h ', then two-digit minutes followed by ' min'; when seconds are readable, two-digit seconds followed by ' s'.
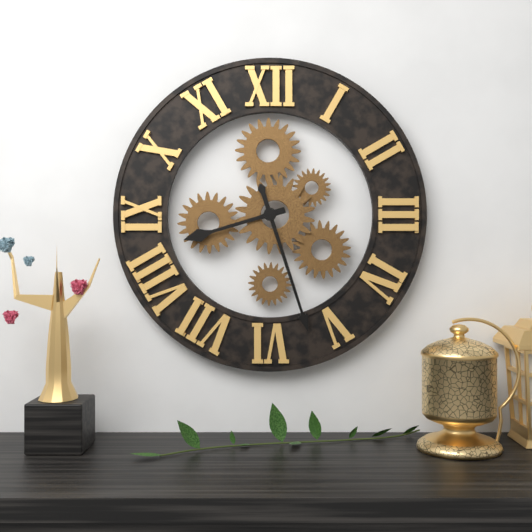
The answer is 8 h 27 min
